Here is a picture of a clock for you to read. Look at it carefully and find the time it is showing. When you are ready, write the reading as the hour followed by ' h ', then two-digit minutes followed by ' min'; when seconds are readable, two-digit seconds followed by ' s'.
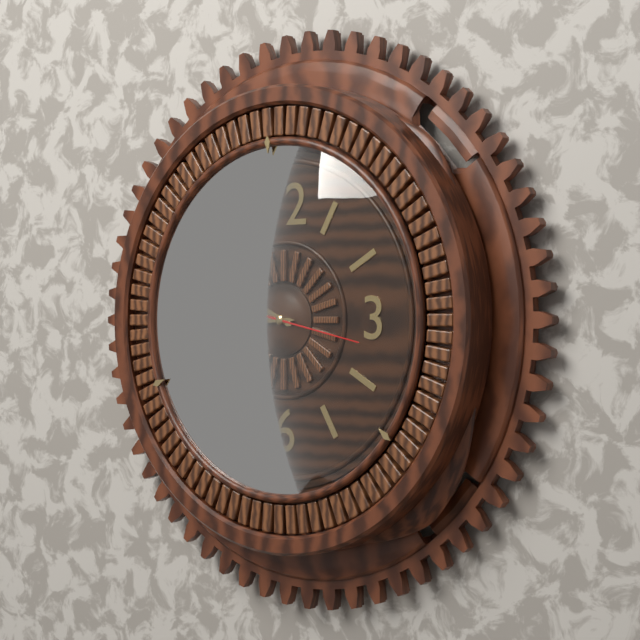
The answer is 9 h 45 min 17 s
